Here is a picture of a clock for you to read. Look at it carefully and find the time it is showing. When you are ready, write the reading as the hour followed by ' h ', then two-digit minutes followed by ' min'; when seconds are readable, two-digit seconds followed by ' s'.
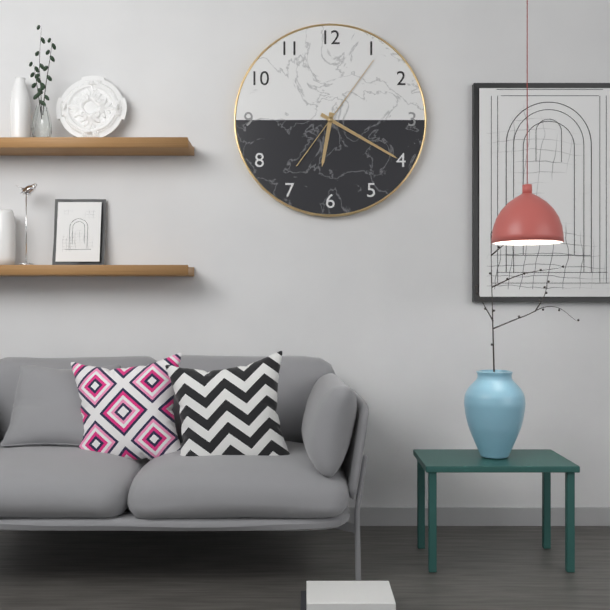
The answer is 6 h 20 min 06 s
